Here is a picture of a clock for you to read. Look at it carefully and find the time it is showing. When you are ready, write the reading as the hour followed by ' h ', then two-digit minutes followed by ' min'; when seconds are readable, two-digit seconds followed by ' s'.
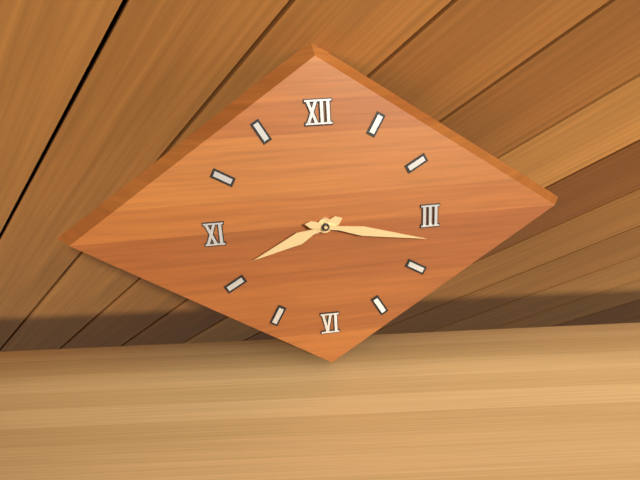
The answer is 8 h 17 min
